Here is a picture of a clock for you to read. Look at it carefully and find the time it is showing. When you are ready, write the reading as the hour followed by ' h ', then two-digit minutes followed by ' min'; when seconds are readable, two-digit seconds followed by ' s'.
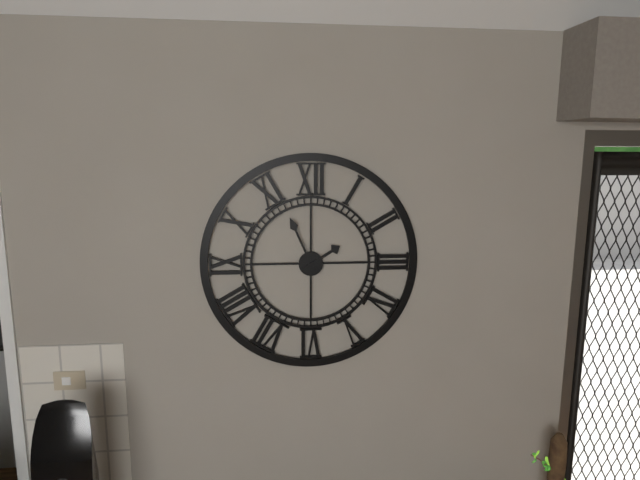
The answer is 1 h 56 min
